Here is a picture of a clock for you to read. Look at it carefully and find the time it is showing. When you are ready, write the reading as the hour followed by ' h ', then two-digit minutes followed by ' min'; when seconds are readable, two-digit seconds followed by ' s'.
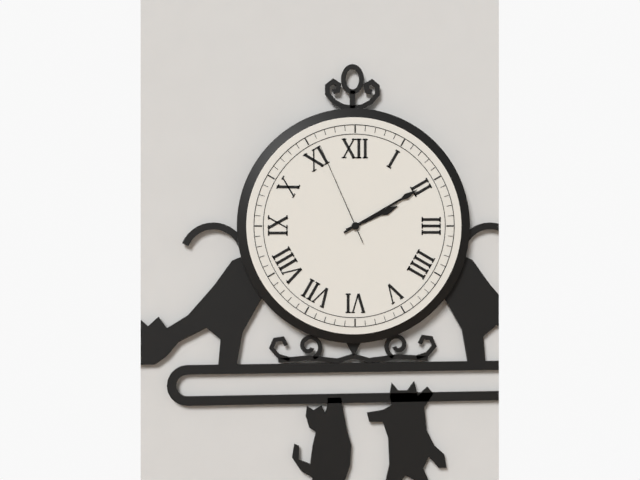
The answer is 2 h 10 min 56 s
